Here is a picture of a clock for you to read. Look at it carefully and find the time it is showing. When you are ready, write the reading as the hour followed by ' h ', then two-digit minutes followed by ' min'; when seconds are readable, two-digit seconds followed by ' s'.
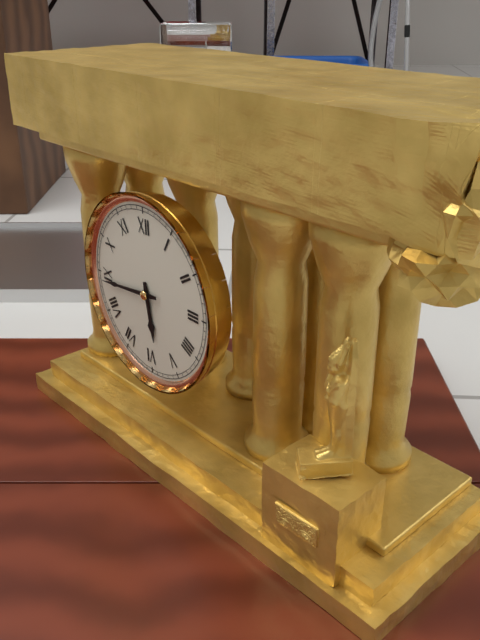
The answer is 5 h 44 min
